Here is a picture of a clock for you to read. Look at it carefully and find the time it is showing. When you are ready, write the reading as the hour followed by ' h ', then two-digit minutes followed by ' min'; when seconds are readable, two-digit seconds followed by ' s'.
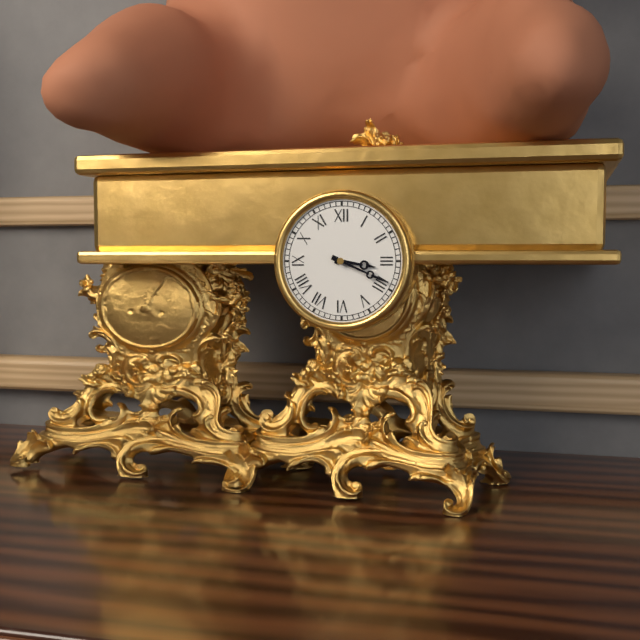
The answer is 3 h 19 min
